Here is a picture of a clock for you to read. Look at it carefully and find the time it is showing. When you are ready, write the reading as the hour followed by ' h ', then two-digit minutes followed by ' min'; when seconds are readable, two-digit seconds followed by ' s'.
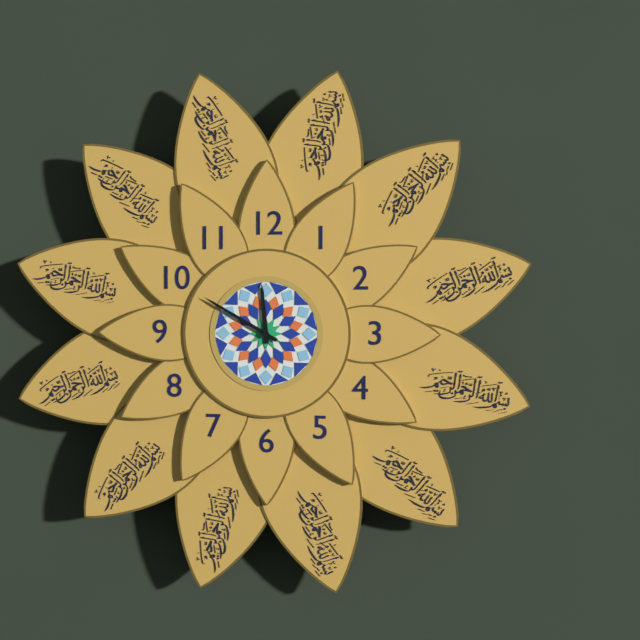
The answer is 11 h 50 min
